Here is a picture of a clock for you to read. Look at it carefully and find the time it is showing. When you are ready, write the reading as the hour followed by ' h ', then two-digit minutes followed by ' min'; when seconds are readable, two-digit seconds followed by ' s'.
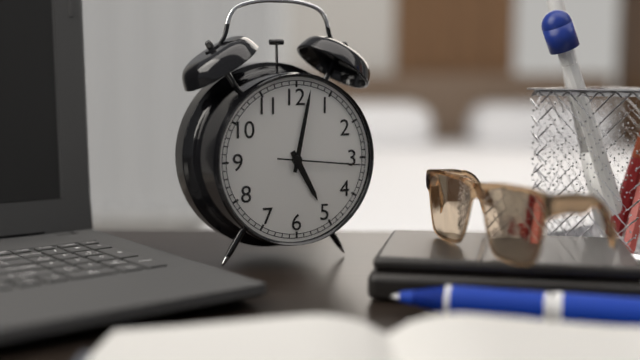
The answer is 5 h 02 min 16 s
